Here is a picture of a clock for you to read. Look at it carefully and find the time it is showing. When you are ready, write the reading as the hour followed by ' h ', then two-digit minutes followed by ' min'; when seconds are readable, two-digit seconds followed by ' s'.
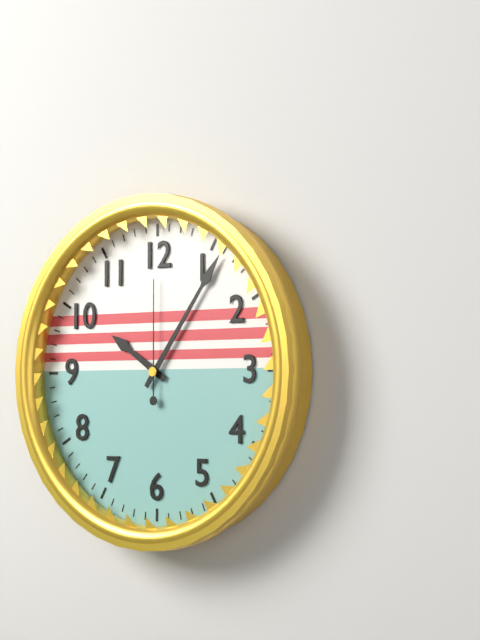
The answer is 10 h 06 min 00 s
